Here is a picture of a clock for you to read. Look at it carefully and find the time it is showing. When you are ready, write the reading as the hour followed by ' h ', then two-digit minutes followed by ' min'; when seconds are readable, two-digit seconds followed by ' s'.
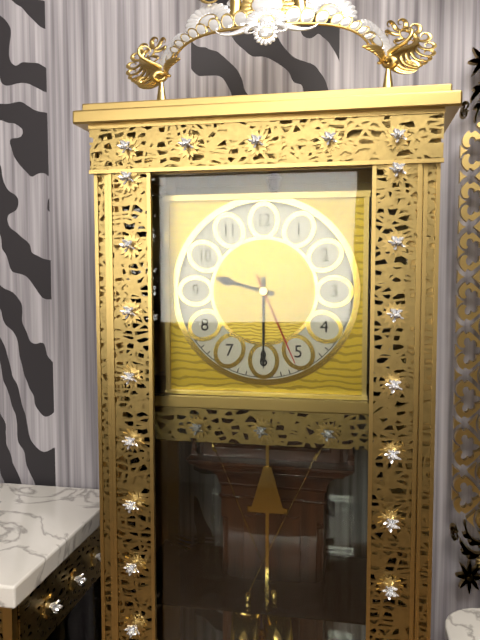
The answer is 9 h 30 min 26 s
